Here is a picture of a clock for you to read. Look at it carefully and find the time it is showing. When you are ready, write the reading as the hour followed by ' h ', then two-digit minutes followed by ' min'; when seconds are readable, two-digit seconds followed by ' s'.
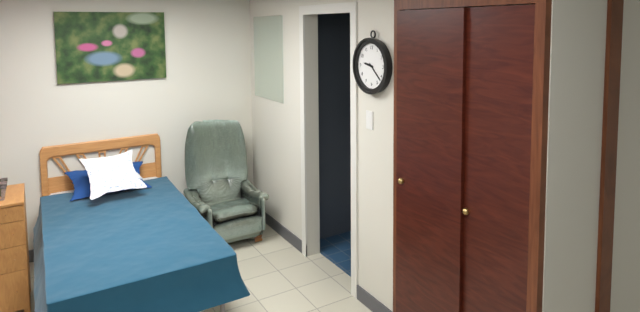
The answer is 9 h 22 min
